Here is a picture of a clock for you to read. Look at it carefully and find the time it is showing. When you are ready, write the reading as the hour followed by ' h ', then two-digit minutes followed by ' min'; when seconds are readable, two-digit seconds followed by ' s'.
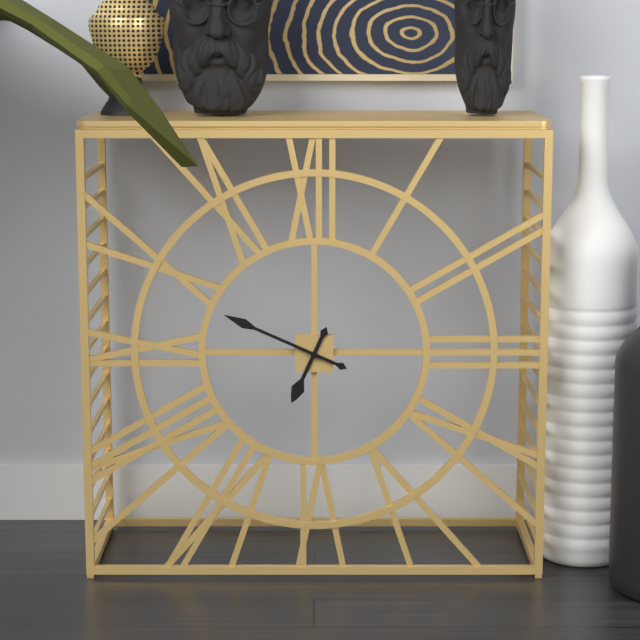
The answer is 6 h 49 min
